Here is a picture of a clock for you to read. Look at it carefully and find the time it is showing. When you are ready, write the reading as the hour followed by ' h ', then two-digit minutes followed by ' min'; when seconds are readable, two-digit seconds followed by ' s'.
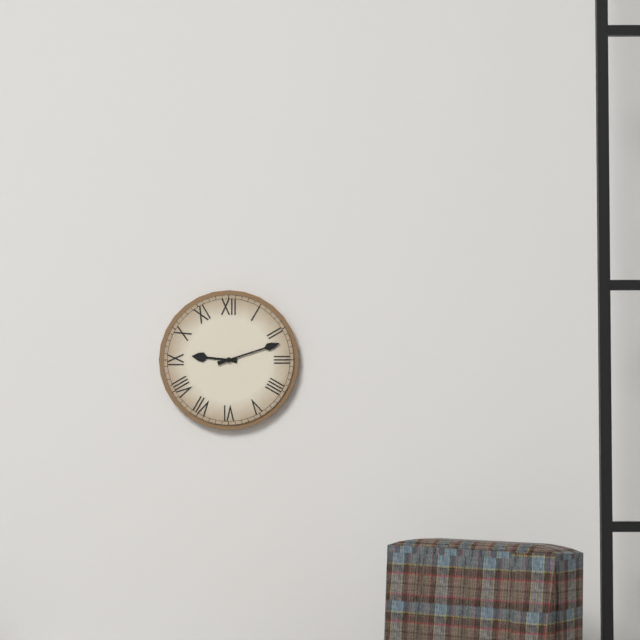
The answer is 9 h 12 min
